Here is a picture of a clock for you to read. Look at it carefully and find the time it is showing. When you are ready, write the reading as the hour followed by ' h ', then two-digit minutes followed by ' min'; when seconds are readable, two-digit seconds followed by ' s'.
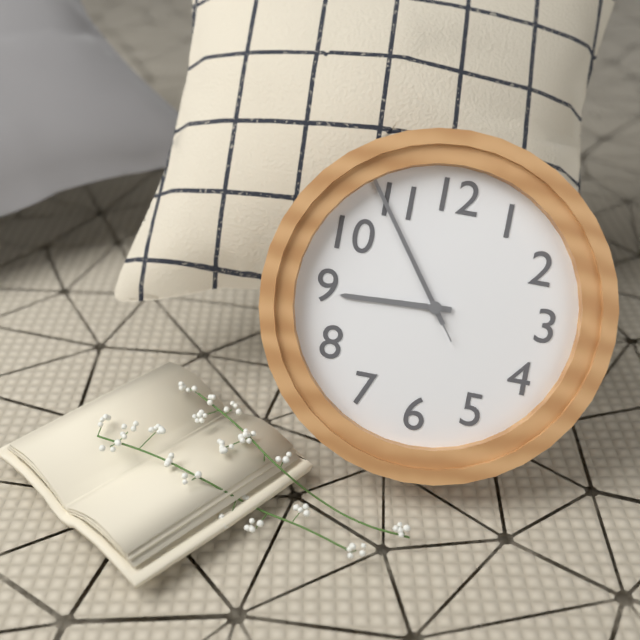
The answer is 8 h 54 min 54 s
